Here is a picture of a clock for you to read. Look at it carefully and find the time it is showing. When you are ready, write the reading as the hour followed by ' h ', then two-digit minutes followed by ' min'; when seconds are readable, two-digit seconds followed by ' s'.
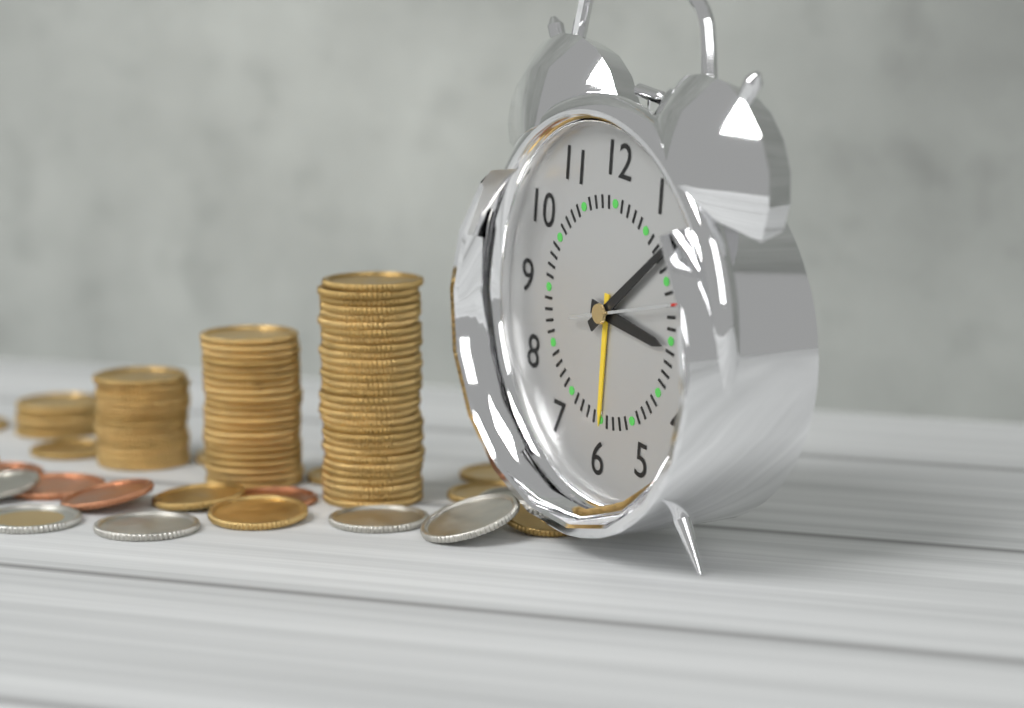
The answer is 3 h 08 min 12 s
